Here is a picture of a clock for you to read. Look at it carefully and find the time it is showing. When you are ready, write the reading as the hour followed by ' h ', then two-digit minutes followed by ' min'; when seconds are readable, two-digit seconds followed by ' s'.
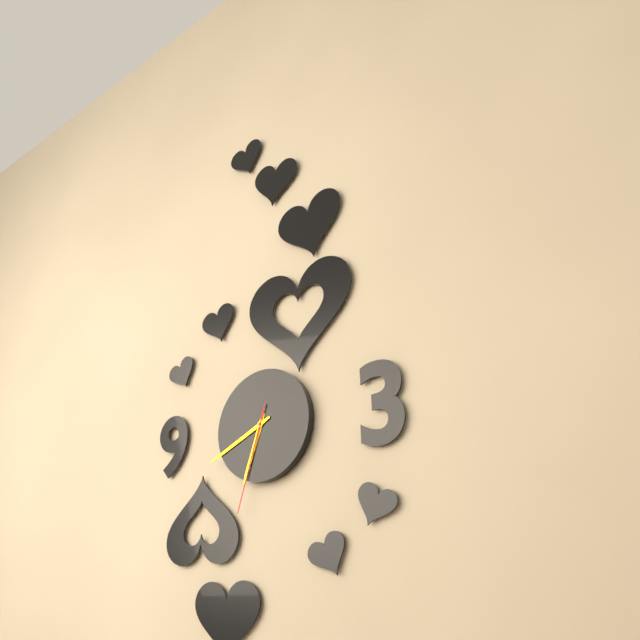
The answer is 6 h 41 min 33 s
